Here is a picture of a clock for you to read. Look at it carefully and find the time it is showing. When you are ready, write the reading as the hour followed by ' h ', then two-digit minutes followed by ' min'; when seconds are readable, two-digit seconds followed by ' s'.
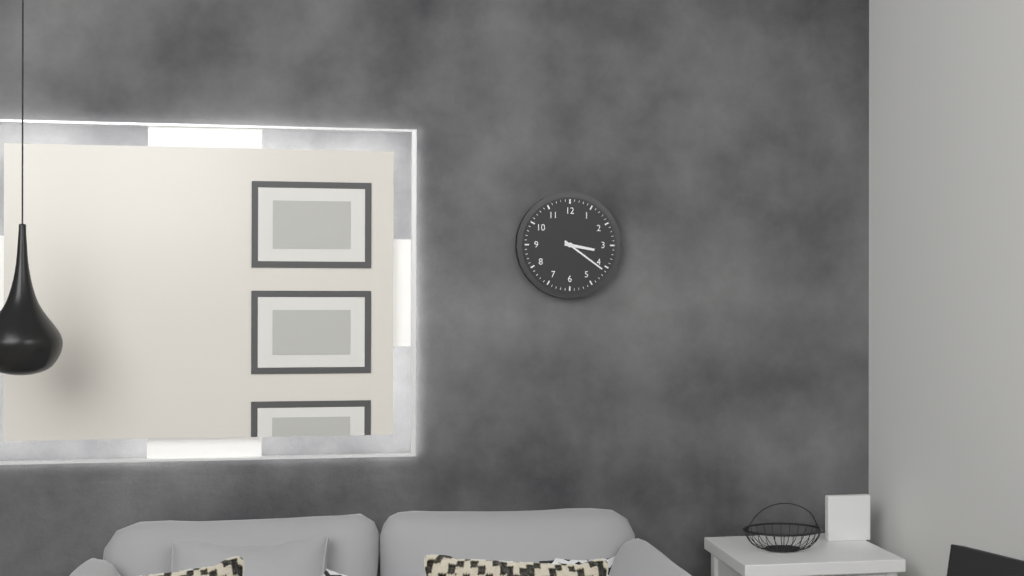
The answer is 3 h 21 min
